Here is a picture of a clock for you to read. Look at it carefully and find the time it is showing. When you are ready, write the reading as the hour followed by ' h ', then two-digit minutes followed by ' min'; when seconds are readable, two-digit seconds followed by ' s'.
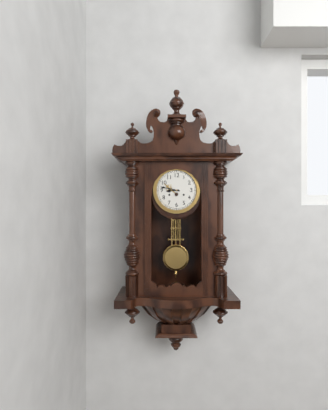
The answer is 8 h 47 min
